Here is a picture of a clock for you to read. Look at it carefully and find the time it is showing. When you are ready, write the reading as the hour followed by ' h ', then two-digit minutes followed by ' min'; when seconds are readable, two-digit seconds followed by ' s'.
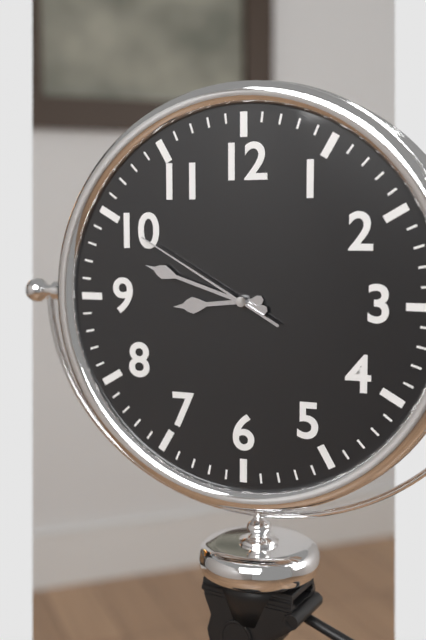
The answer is 8 h 48 min 50 s
